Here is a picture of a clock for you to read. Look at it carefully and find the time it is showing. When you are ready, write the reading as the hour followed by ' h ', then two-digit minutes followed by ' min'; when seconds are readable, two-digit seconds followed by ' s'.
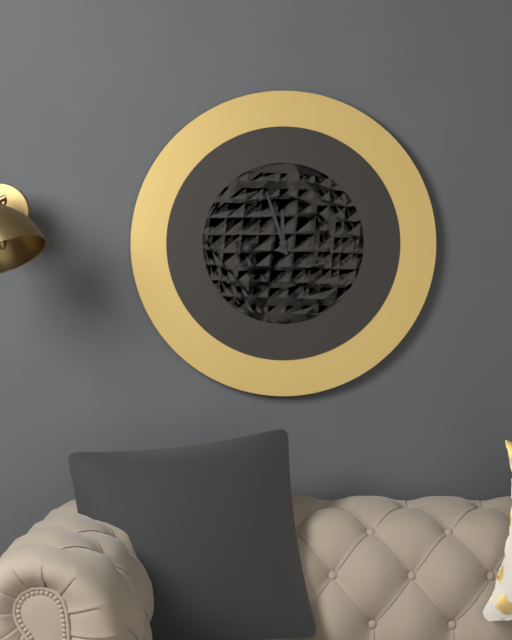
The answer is 11 h 57 min
